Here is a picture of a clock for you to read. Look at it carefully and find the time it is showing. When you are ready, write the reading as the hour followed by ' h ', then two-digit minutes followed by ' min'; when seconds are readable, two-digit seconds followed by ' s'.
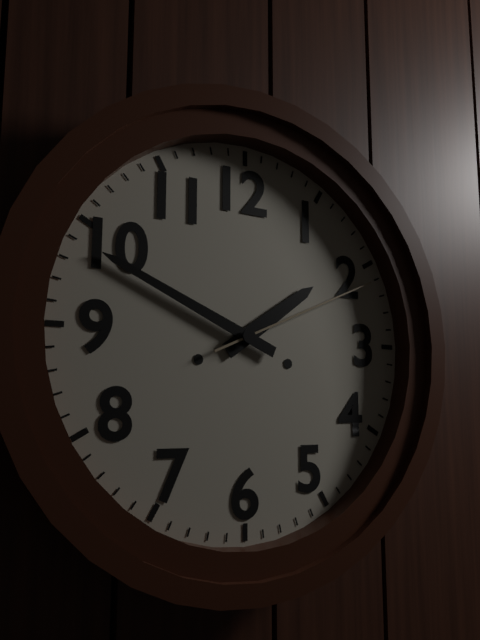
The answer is 1 h 49 min 11 s
